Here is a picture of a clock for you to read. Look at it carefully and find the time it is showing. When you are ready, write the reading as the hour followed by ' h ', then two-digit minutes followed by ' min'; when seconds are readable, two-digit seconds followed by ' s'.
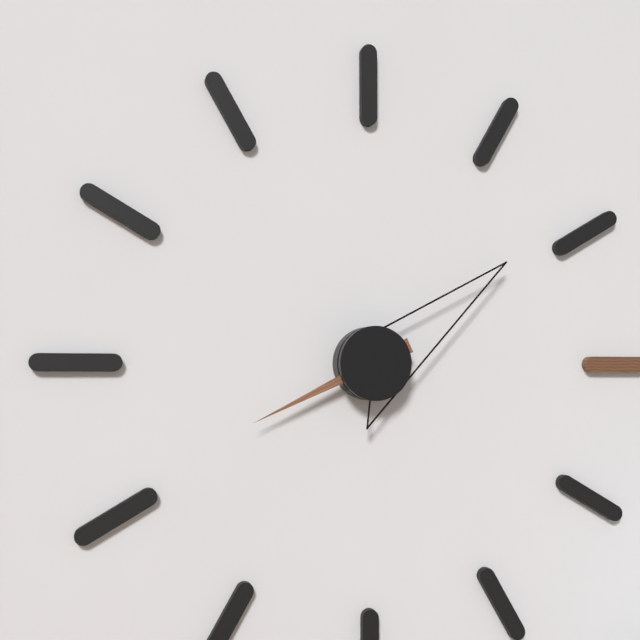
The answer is 8 h 09 min
